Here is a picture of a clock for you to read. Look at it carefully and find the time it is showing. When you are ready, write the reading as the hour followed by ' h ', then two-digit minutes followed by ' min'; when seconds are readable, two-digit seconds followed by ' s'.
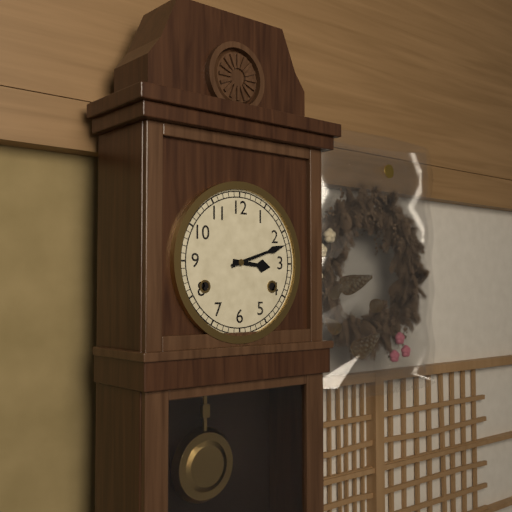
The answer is 3 h 12 min
